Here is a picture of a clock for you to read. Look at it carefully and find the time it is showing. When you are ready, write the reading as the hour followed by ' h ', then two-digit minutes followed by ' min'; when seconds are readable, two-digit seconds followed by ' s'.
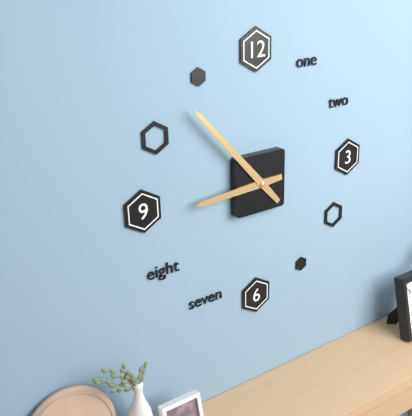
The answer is 8 h 53 min
